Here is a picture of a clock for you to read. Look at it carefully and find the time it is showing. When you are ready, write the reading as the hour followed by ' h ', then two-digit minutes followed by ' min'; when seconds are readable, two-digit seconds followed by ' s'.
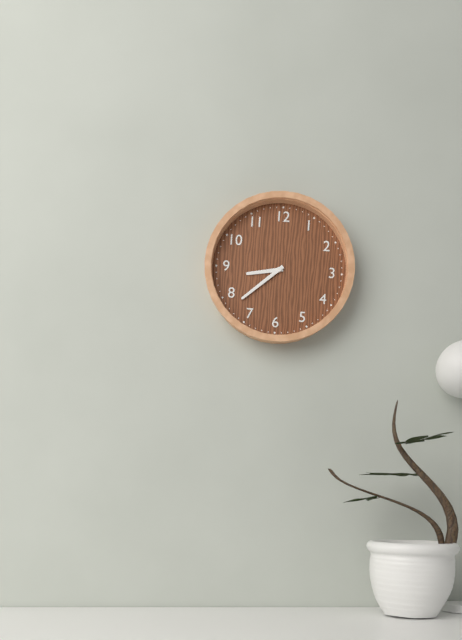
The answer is 8 h 38 min
